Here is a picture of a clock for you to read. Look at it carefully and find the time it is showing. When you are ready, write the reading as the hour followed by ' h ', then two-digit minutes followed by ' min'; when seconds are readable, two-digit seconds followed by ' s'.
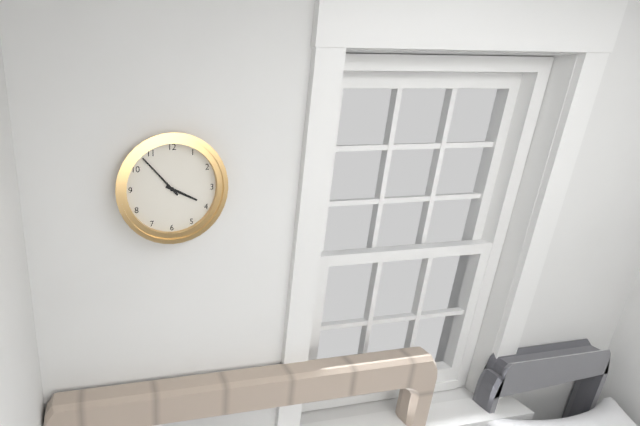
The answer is 3 h 53 min
